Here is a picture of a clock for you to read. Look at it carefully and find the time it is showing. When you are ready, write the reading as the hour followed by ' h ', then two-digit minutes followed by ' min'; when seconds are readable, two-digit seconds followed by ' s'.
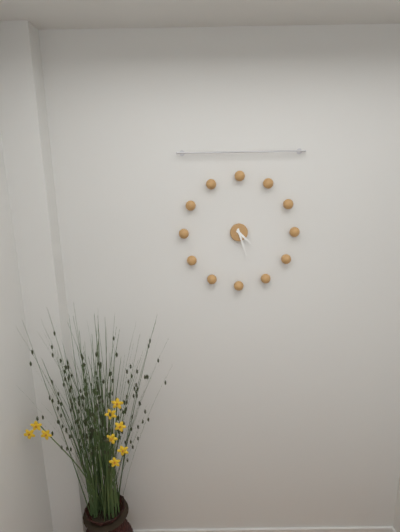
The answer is 4 h 27 min
